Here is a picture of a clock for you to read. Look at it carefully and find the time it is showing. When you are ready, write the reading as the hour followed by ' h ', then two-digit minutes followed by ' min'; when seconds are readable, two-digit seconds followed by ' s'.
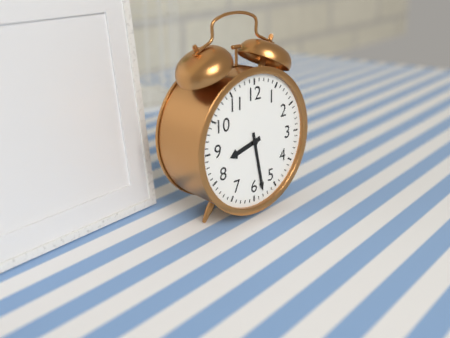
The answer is 8 h 28 min
